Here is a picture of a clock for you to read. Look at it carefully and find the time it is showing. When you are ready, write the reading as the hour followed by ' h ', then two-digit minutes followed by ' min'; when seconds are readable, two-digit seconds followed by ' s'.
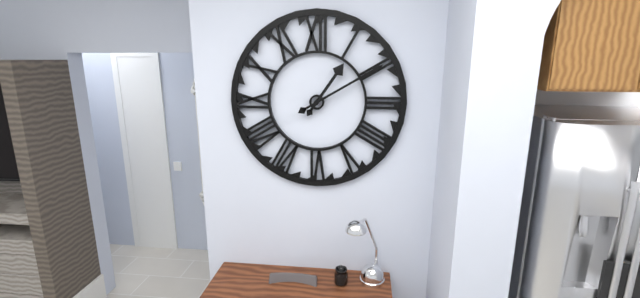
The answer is 1 h 10 min
